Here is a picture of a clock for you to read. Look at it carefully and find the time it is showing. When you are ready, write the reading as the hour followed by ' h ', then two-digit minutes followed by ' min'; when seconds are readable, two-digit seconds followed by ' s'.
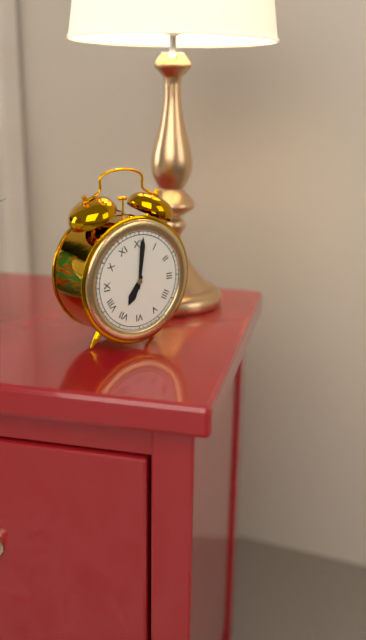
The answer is 7 h 01 min
